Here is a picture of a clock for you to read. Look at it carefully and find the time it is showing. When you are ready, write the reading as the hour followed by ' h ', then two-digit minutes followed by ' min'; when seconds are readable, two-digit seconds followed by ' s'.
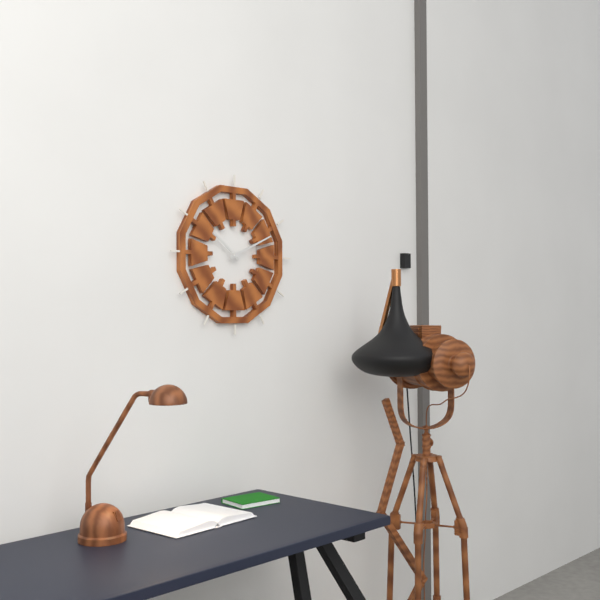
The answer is 10 h 11 min
